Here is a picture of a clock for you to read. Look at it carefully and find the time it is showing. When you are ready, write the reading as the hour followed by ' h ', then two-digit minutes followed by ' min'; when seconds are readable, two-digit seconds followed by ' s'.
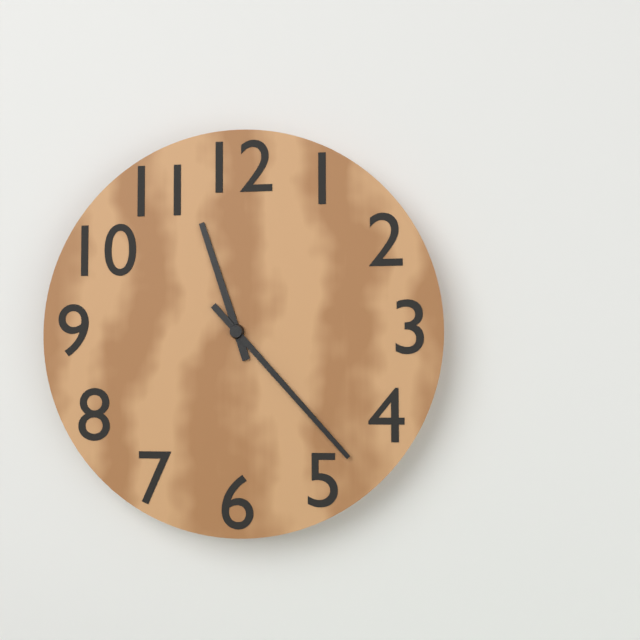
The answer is 11 h 23 min
